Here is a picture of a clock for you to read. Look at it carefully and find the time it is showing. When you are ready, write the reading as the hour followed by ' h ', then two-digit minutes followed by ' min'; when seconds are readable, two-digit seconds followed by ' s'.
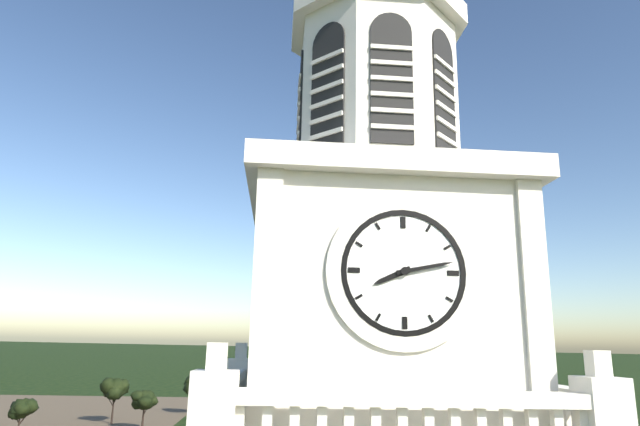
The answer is 8 h 13 min
